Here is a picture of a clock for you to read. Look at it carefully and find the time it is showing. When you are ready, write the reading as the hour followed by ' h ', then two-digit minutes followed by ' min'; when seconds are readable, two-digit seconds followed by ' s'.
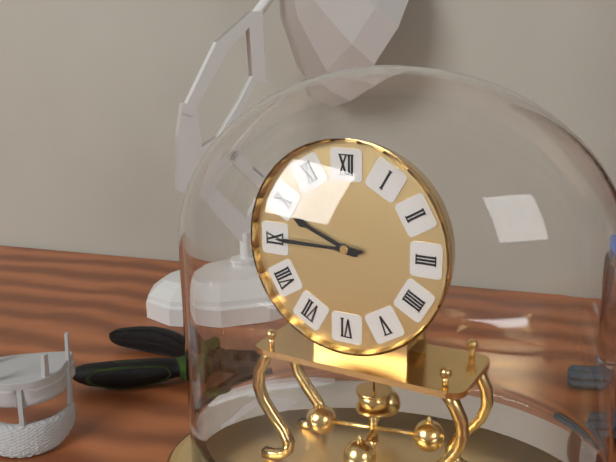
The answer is 9 h 45 min
